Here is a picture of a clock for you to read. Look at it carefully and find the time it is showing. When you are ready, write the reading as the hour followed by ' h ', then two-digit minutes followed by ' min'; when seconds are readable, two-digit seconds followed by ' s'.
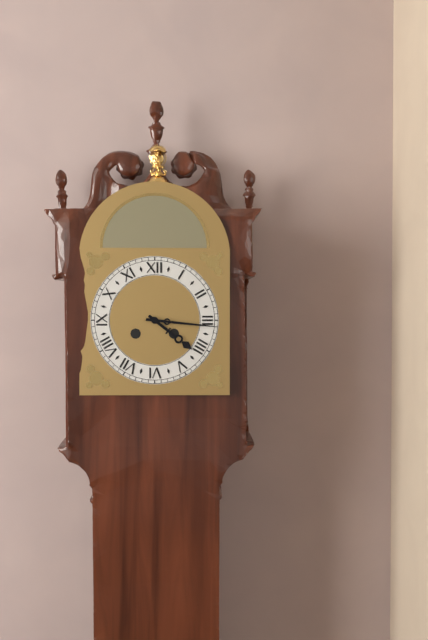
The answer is 4 h 16 min
